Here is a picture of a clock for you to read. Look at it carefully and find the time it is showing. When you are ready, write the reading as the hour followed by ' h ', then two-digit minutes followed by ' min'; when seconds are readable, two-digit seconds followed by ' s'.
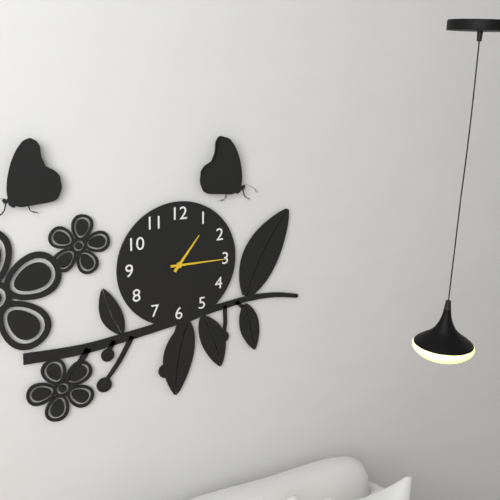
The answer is 1 h 15 min
